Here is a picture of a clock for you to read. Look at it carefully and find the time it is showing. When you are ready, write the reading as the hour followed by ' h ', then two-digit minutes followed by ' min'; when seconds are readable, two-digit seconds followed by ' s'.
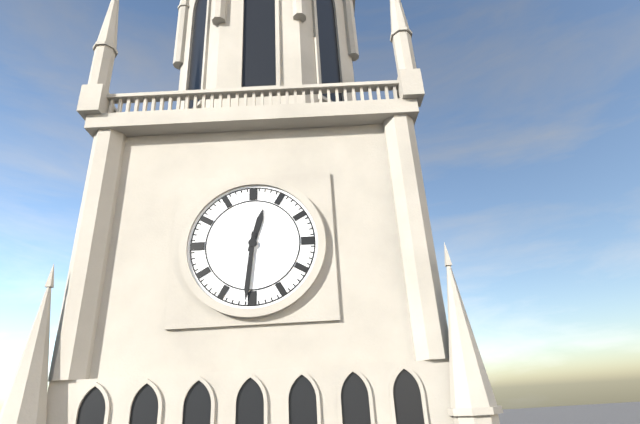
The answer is 12 h 31 min
